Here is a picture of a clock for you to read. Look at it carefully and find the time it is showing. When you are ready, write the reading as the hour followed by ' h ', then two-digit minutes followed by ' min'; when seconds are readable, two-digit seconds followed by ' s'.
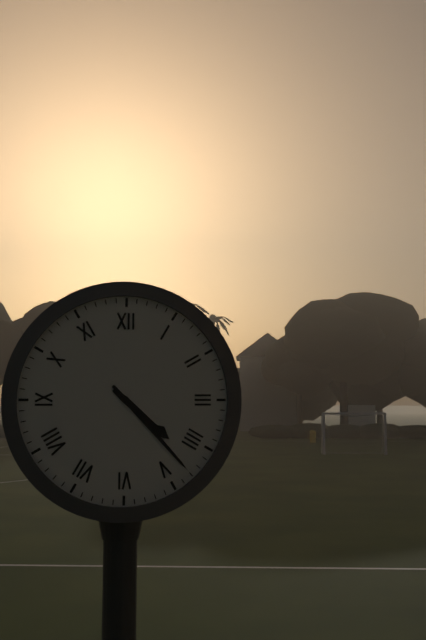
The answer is 4 h 23 min
